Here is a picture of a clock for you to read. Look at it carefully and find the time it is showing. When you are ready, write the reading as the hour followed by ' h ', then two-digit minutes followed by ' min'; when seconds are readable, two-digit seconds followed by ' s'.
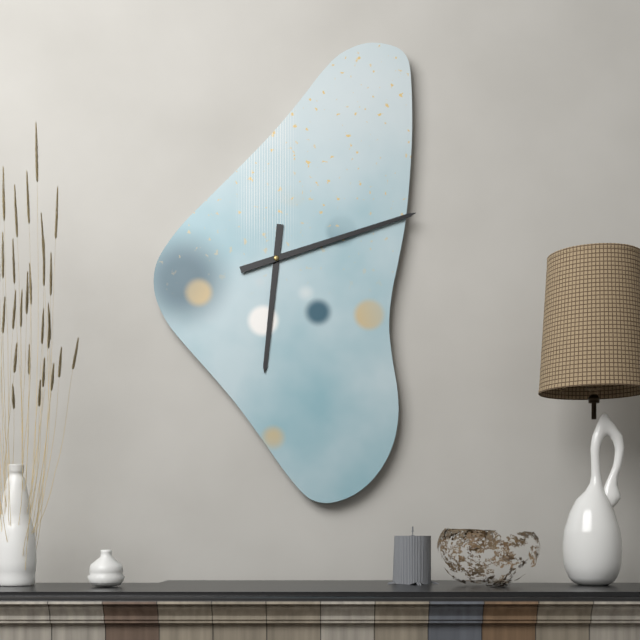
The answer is 6 h 12 min
